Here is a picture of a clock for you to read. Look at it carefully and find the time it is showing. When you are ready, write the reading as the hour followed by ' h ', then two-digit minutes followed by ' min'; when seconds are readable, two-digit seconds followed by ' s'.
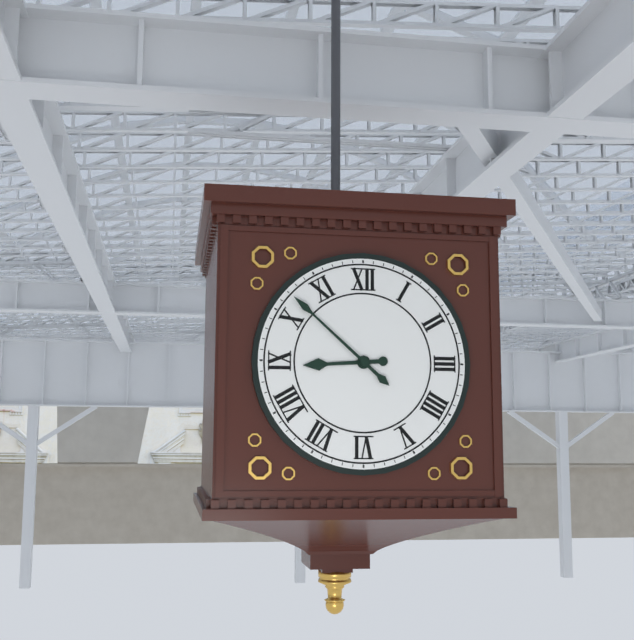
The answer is 8 h 52 min
